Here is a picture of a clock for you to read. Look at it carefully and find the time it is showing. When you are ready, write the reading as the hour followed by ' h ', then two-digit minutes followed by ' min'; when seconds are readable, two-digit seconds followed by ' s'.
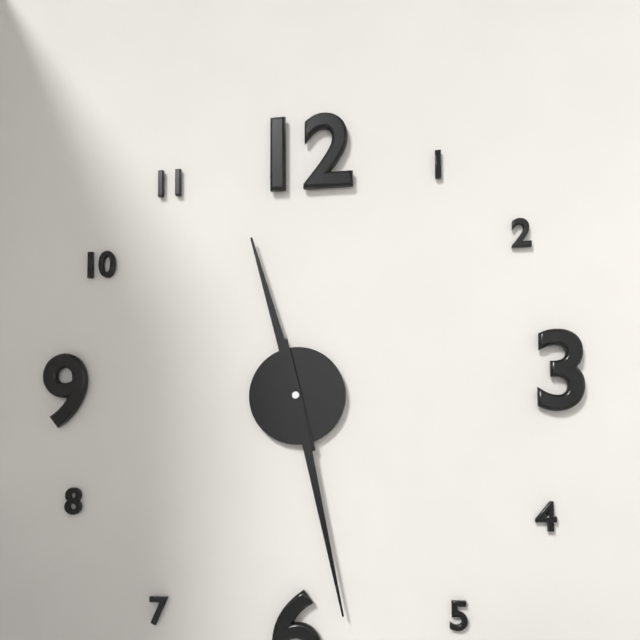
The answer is 11 h 28 min
